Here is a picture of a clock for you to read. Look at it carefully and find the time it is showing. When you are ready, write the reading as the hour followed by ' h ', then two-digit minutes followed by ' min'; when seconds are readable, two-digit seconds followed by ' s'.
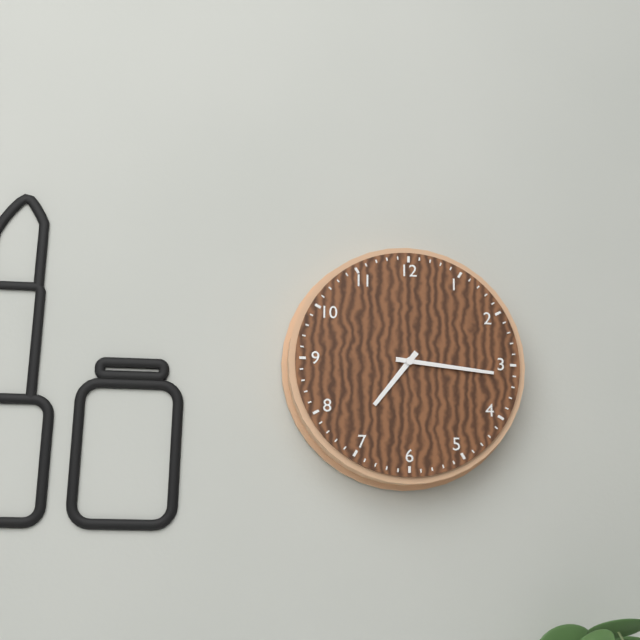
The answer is 7 h 16 min
